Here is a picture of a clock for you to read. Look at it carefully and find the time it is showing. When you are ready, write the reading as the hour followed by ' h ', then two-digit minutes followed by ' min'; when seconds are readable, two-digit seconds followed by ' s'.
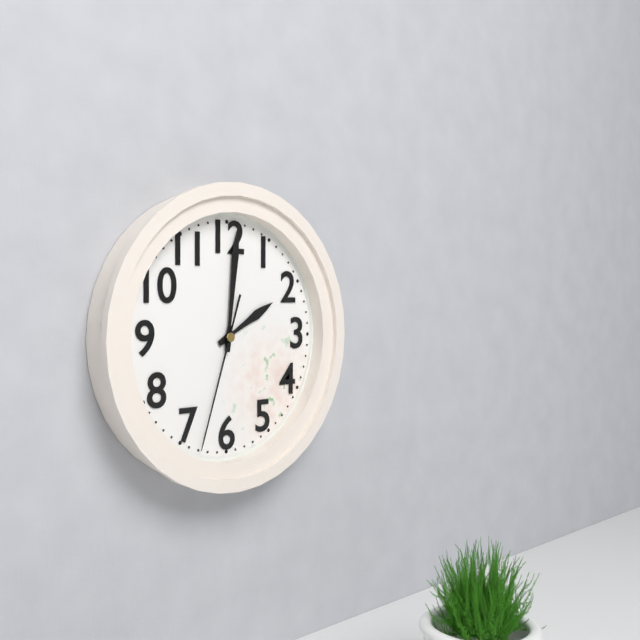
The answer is 2 h 01 min 33 s
